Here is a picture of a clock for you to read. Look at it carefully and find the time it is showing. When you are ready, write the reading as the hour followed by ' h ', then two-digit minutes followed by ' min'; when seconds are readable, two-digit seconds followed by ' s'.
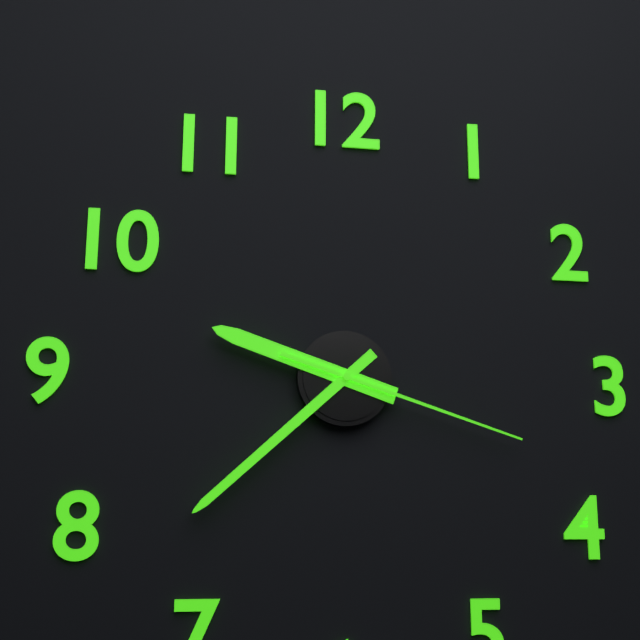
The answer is 9 h 38 min 18 s
